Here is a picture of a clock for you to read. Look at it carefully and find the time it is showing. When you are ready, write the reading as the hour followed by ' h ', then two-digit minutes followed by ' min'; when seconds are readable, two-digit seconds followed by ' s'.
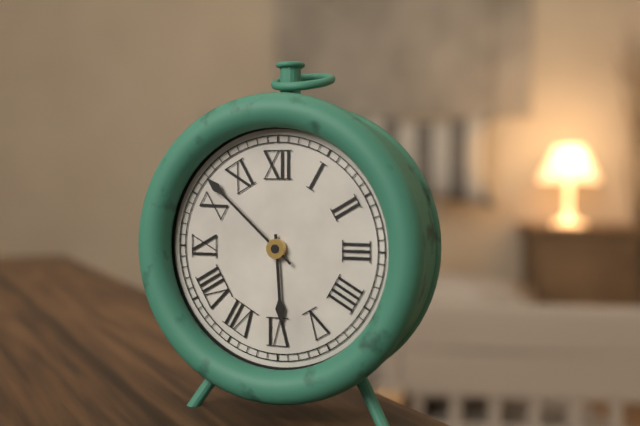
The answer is 5 h 52 min
